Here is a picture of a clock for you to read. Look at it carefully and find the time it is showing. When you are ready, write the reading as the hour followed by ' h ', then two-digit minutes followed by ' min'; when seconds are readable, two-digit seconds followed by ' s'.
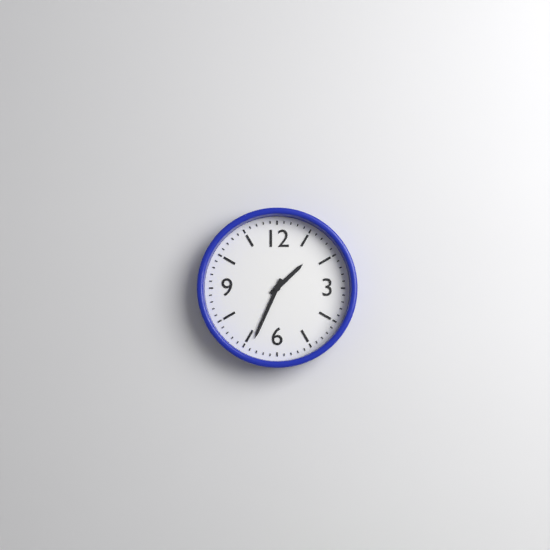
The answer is 1 h 34 min
